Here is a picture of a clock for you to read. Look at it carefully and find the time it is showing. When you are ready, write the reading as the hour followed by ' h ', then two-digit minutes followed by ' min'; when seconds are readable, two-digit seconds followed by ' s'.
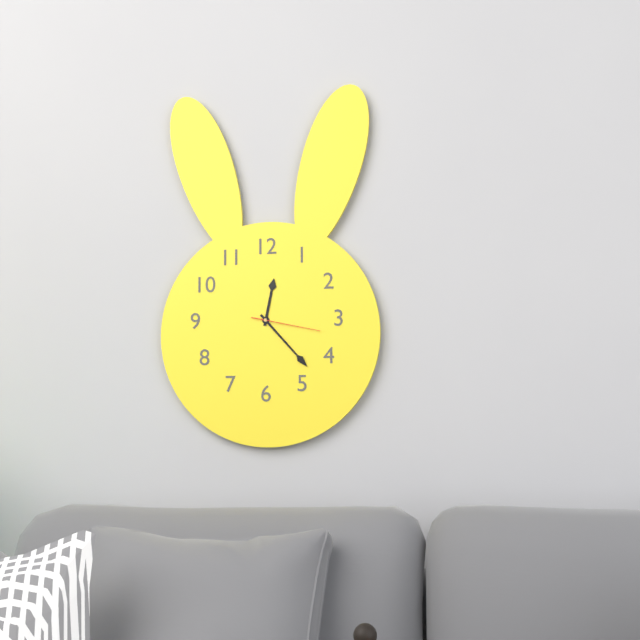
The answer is 12 h 23 min 17 s
